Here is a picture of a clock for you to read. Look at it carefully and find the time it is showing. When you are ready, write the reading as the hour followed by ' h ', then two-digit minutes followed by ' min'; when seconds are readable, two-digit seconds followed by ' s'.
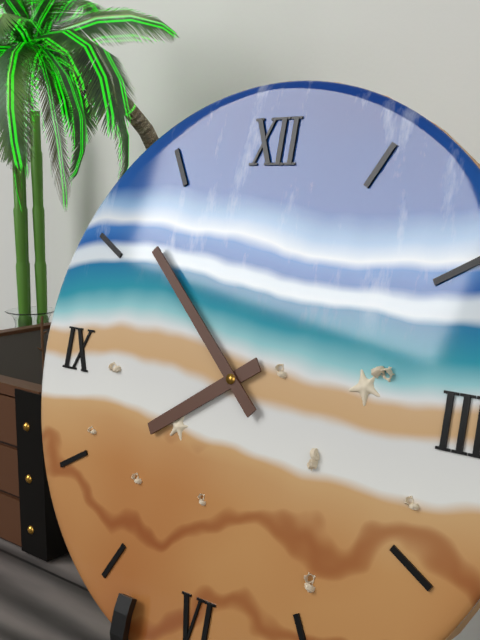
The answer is 7 h 52 min
